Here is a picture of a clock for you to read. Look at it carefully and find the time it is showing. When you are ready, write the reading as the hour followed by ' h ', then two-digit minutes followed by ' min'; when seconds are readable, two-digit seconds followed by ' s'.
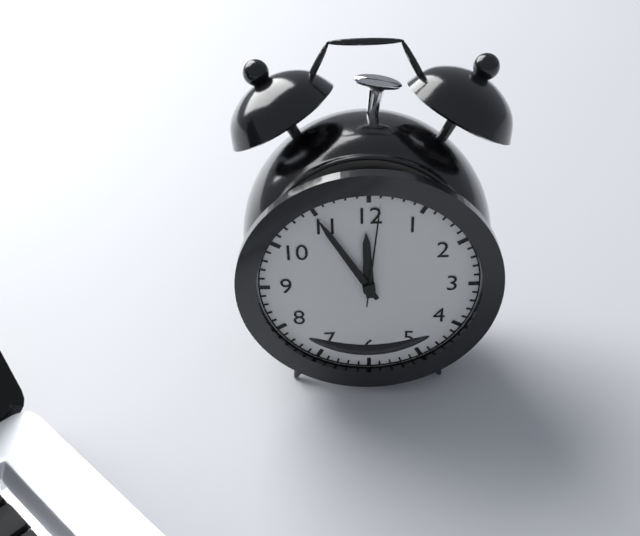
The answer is 11 h 55 min 01 s
